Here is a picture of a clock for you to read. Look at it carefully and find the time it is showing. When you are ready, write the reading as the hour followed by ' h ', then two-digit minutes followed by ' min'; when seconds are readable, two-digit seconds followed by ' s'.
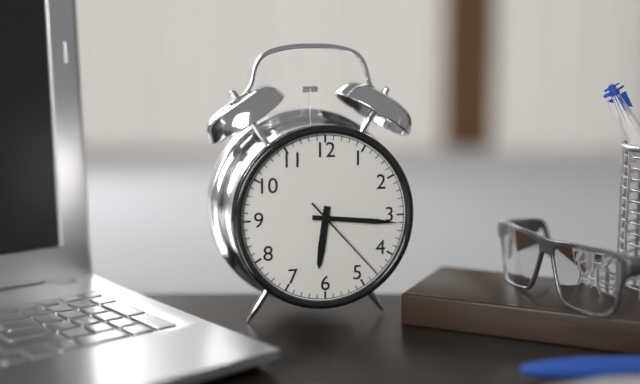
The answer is 6 h 16 min 23 s
